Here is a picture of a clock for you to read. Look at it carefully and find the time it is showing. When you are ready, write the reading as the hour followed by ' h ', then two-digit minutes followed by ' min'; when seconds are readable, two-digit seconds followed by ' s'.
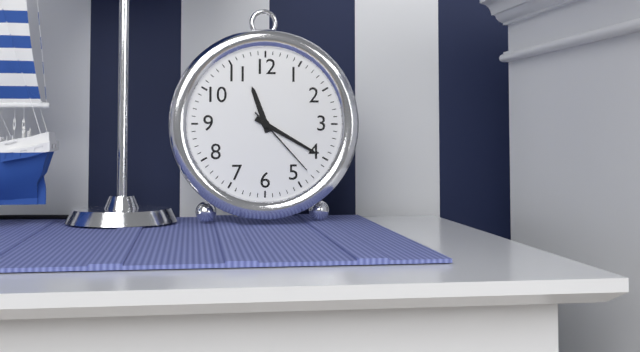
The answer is 11 h 20 min 23 s
